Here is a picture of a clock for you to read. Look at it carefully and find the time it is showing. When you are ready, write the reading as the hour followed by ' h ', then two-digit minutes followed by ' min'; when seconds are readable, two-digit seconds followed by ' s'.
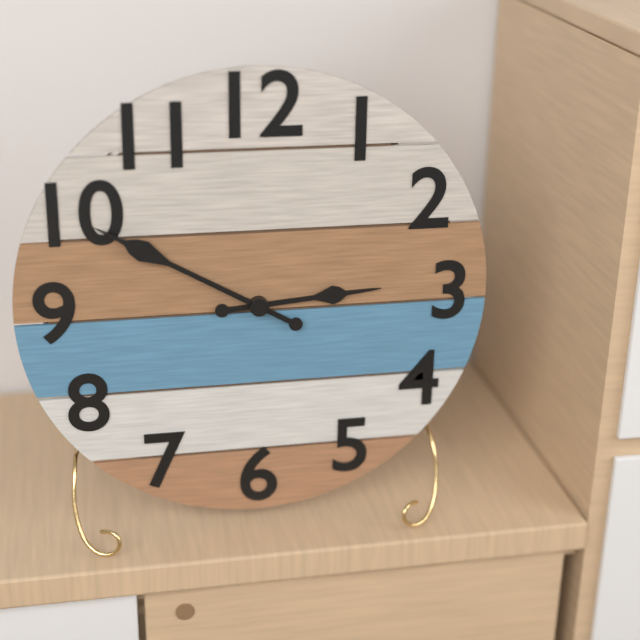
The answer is 2 h 50 min
